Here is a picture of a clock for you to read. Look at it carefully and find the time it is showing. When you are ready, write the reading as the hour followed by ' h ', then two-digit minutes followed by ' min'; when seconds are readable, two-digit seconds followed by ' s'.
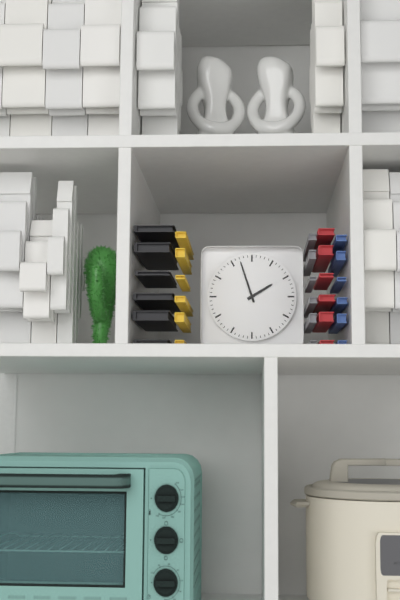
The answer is 1 h 57 min
